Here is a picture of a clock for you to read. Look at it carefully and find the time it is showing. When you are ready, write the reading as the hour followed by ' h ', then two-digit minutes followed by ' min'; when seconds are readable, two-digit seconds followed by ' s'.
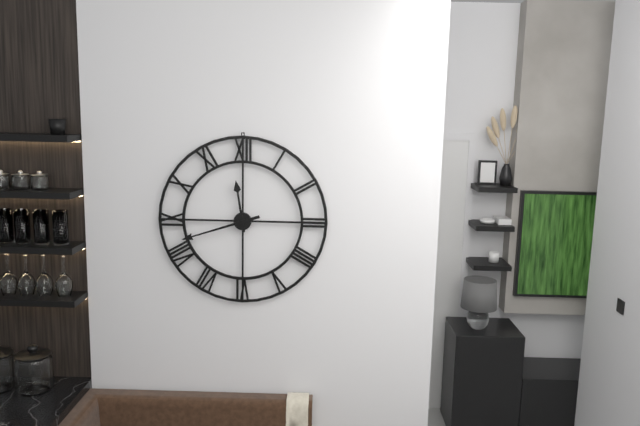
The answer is 11 h 42 min
